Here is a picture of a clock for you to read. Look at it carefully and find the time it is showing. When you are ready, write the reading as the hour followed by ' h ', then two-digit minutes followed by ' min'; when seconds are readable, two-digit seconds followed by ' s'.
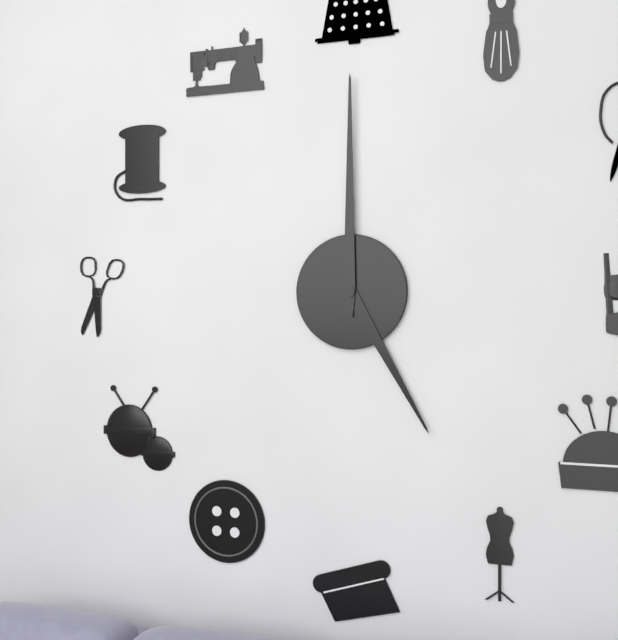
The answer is 5 h 00 min
